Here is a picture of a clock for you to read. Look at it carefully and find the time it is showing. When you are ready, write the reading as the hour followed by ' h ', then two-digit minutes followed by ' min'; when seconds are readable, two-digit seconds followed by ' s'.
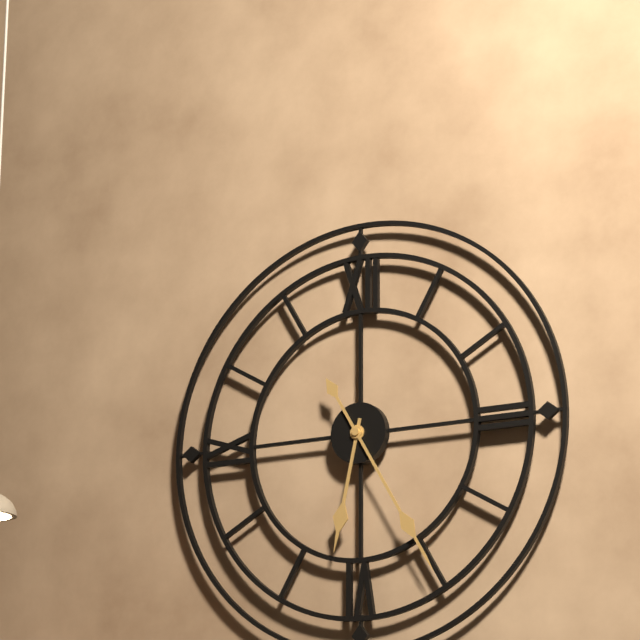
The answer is 6 h 25 min
